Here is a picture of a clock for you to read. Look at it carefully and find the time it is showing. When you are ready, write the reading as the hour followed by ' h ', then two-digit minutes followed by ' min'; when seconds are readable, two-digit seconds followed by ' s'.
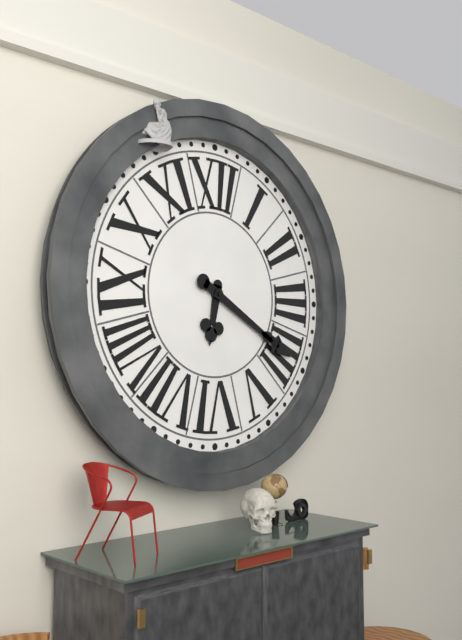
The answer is 6 h 20 min
